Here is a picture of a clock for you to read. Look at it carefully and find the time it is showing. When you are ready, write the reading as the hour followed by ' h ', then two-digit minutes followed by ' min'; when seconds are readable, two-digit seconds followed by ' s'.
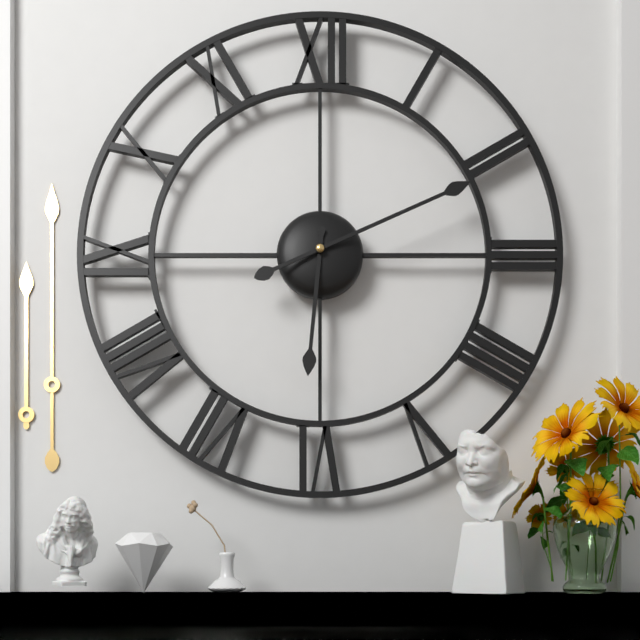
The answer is 6 h 11 min
